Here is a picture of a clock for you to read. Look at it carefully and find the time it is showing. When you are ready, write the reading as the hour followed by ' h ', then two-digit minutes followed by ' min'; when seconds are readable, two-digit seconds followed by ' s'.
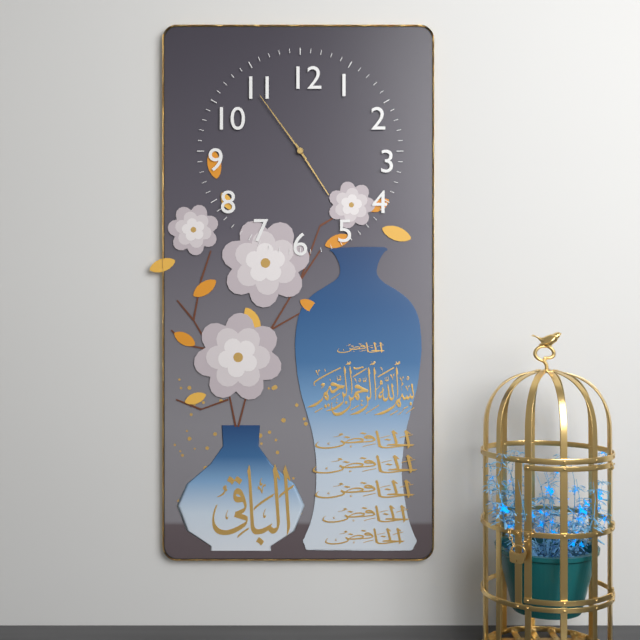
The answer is 4 h 54 min
